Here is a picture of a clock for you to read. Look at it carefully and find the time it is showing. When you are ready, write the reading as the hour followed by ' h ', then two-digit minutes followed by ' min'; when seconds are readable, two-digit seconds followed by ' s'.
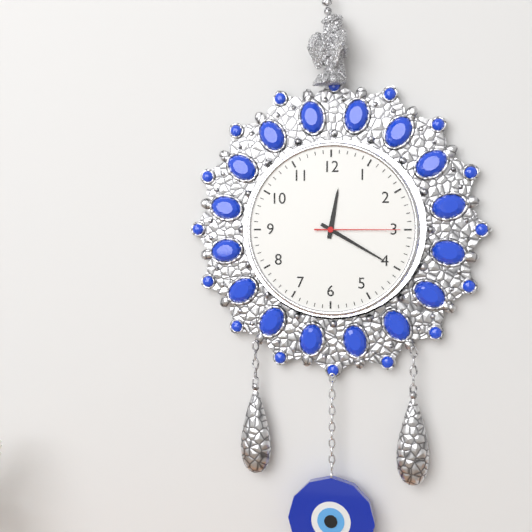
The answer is 12 h 20 min 15 s
